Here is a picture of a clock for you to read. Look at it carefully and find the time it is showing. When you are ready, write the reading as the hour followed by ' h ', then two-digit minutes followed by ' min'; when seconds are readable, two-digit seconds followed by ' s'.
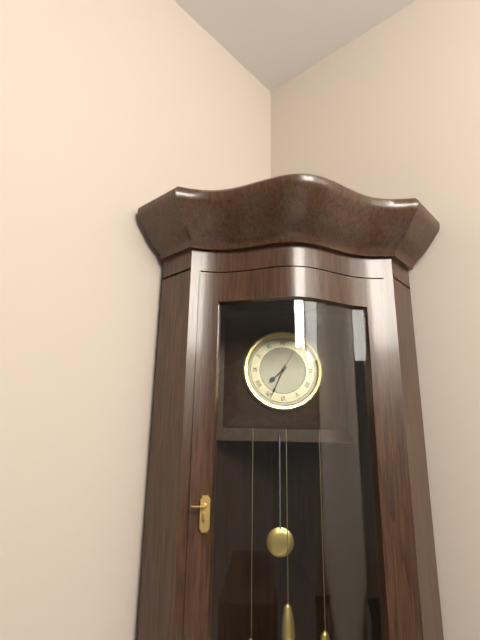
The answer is 7 h 34 min
